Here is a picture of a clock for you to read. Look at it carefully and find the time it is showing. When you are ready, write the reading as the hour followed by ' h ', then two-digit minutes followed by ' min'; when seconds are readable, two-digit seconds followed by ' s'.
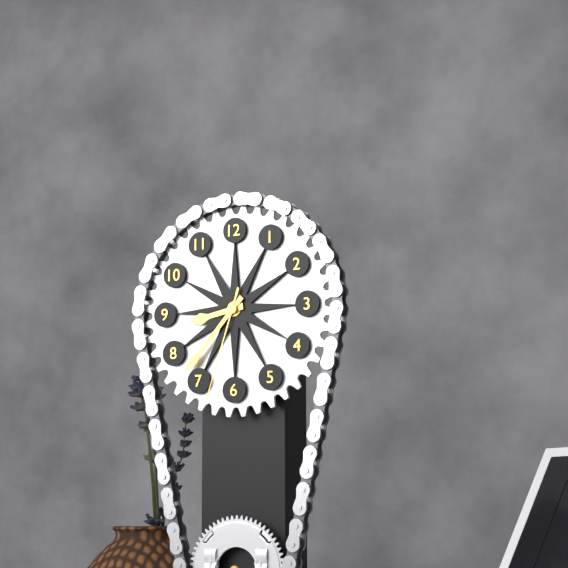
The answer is 8 h 37 min 33 s
